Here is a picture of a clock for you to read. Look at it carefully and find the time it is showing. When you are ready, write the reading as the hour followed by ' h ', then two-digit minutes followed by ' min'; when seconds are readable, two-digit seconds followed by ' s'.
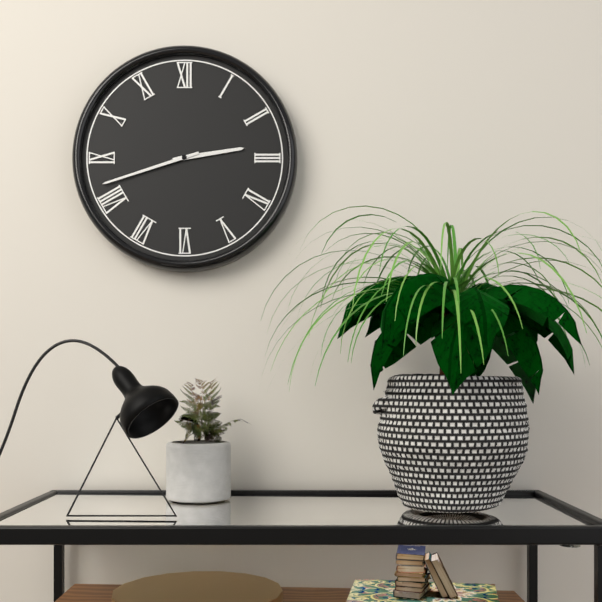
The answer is 2 h 42 min
